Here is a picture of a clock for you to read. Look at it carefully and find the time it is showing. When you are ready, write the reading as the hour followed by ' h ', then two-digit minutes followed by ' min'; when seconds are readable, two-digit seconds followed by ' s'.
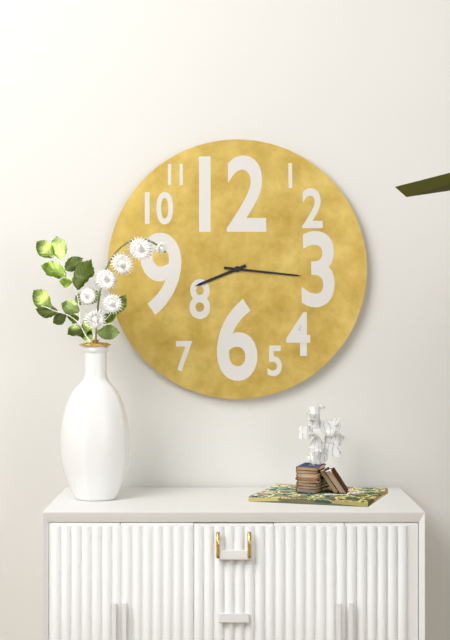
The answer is 8 h 16 min
